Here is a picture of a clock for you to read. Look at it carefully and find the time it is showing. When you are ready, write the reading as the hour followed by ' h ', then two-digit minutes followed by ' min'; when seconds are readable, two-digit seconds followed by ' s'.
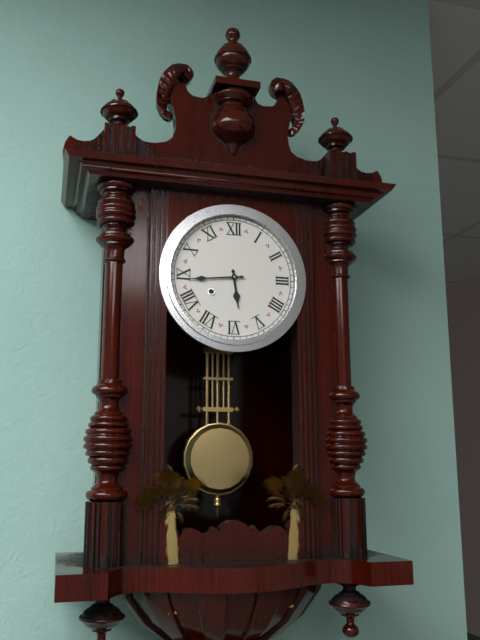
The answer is 5 h 44 min
